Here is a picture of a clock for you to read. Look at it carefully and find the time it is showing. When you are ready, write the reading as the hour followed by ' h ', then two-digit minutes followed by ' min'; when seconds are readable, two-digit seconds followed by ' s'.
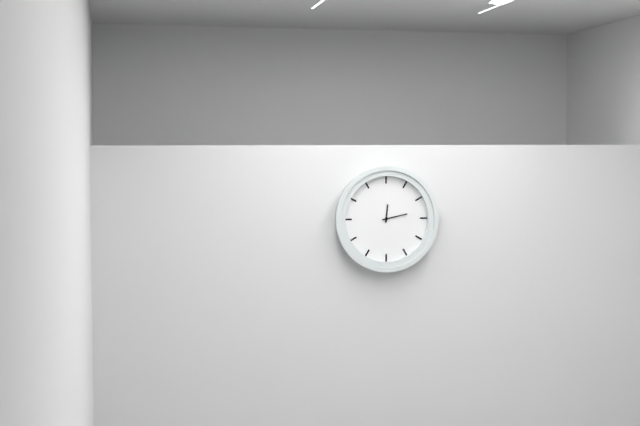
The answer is 12 h 13 min
